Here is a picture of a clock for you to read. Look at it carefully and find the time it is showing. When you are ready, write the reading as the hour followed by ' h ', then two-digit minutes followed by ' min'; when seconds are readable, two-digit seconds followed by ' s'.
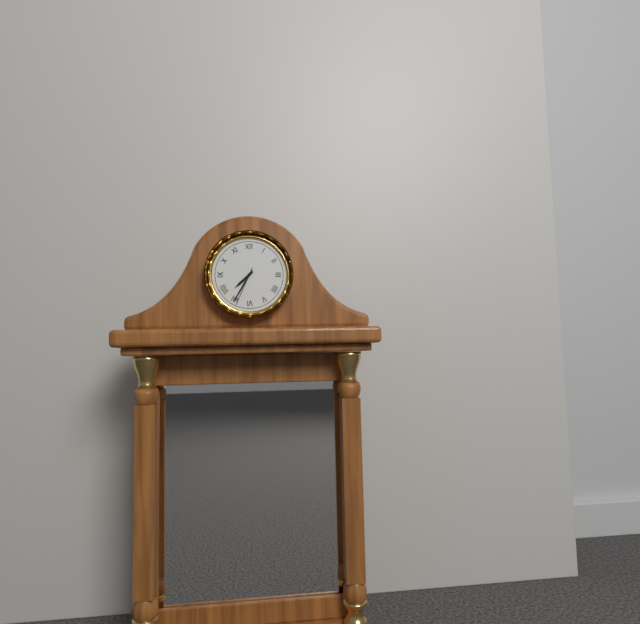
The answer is 7 h 35 min
